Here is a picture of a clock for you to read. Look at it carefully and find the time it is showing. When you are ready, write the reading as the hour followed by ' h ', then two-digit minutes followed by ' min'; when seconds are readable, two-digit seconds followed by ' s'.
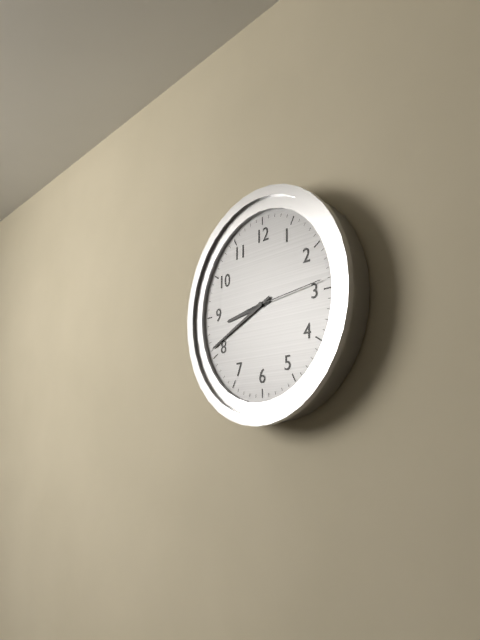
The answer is 8 h 41 min 14 s
